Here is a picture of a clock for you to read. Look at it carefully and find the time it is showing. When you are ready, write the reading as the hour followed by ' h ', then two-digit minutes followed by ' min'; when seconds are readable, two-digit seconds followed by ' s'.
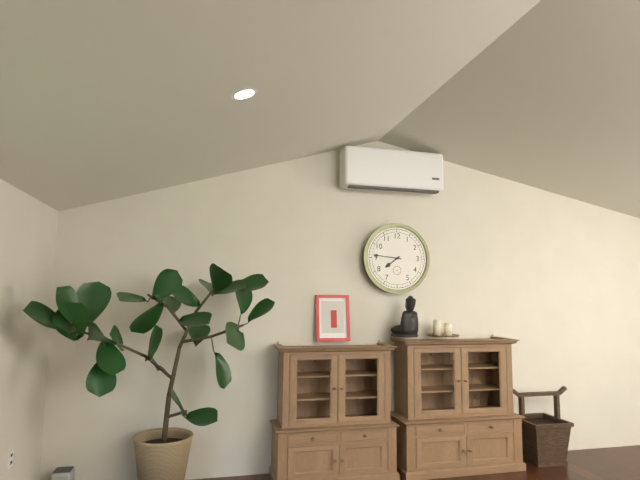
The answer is 7 h 46 min
